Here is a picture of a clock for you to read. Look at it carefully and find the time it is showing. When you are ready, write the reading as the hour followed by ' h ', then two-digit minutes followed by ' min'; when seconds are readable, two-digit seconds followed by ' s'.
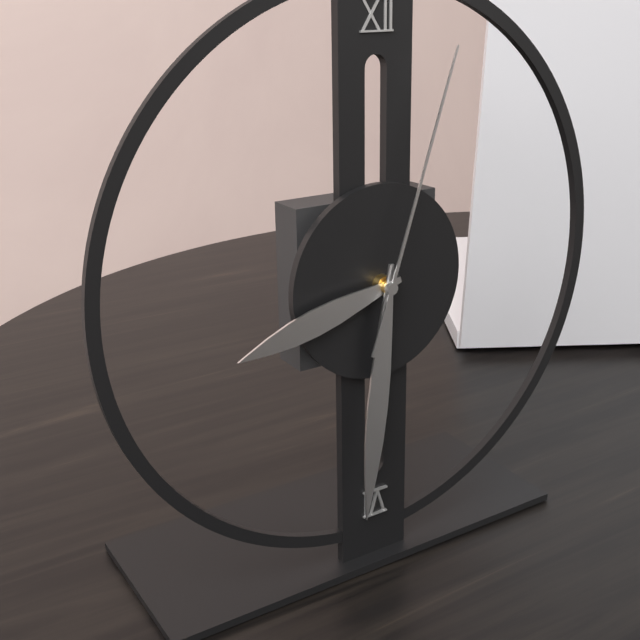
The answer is 8 h 31 min 03 s
